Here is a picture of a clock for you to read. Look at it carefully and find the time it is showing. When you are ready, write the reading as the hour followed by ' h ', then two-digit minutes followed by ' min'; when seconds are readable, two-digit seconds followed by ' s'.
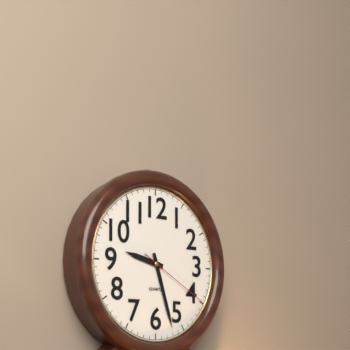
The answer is 9 h 27 min 20 s
